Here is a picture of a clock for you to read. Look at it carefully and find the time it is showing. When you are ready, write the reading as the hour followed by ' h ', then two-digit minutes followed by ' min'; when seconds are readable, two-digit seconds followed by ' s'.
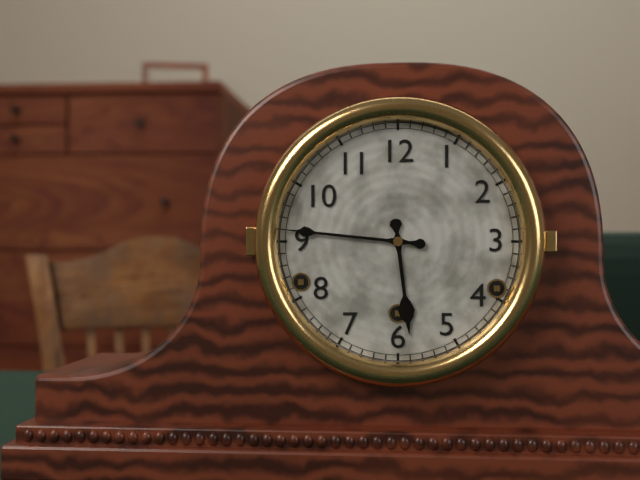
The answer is 5 h 46 min
